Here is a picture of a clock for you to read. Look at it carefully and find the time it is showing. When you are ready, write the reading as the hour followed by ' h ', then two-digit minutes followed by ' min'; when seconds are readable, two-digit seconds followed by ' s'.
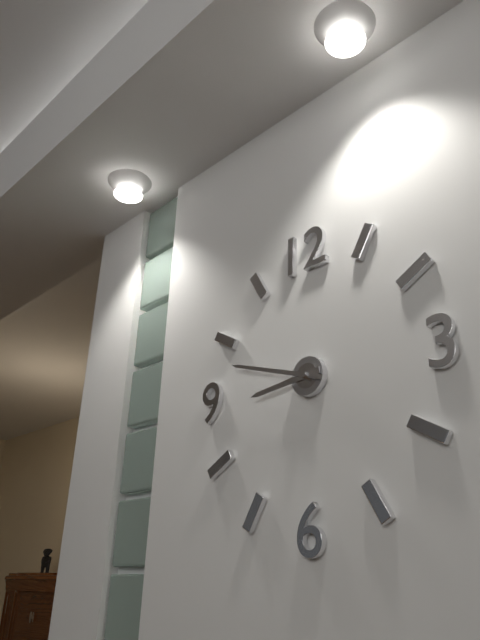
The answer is 8 h 48 min
